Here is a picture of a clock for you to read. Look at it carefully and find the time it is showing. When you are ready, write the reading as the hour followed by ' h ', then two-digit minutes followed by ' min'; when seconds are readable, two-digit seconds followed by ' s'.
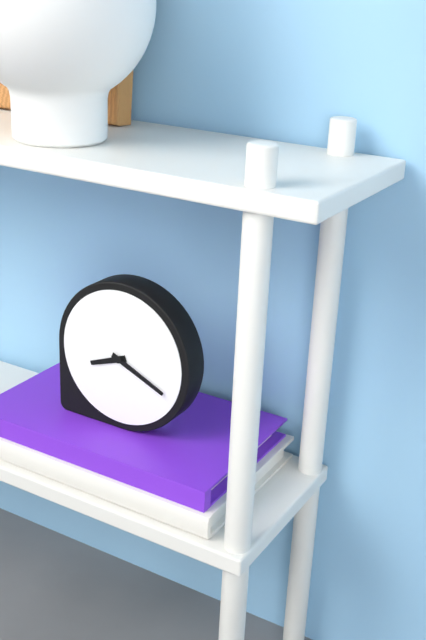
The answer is 8 h 19 min
